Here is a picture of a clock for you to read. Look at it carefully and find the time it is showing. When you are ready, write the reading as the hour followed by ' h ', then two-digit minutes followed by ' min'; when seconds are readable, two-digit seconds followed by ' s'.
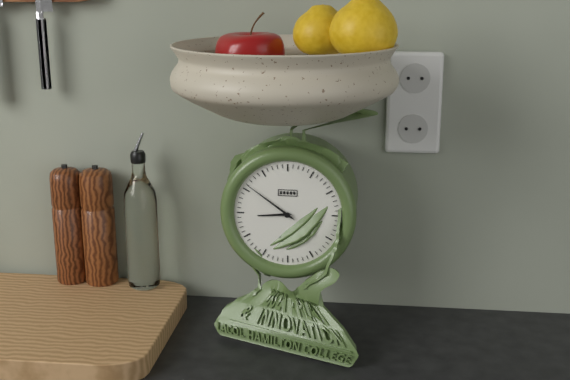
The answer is 8 h 51 min
